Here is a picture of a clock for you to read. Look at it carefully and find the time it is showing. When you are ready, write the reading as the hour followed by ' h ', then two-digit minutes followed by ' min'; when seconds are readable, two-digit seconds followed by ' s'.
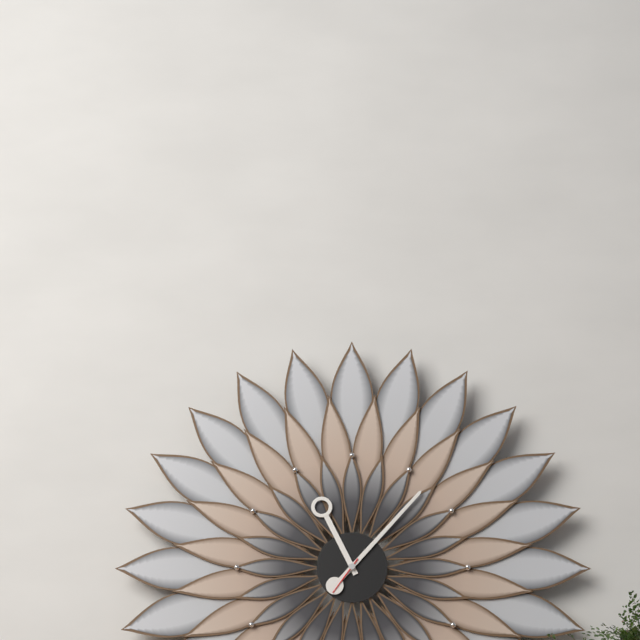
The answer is 11 h 07 min
